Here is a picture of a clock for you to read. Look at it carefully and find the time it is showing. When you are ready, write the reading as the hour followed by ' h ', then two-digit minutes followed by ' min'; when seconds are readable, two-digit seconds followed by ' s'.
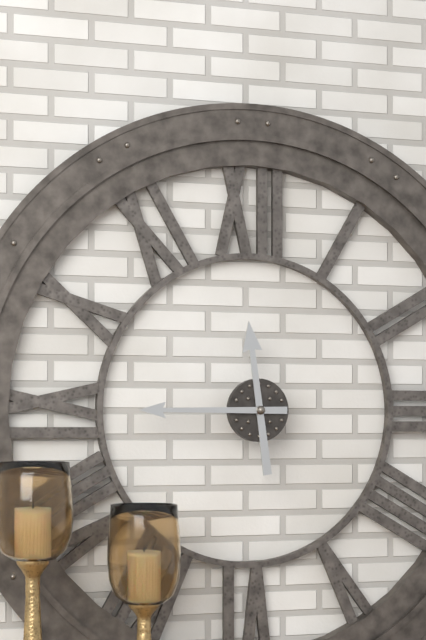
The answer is 11 h 45 min
